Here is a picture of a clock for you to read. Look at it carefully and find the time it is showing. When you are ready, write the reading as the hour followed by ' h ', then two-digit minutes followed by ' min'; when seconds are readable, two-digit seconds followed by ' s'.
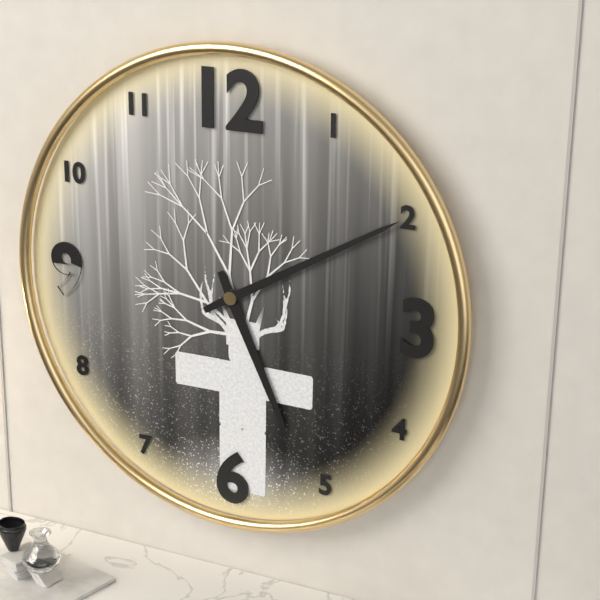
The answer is 5 h 10 min
